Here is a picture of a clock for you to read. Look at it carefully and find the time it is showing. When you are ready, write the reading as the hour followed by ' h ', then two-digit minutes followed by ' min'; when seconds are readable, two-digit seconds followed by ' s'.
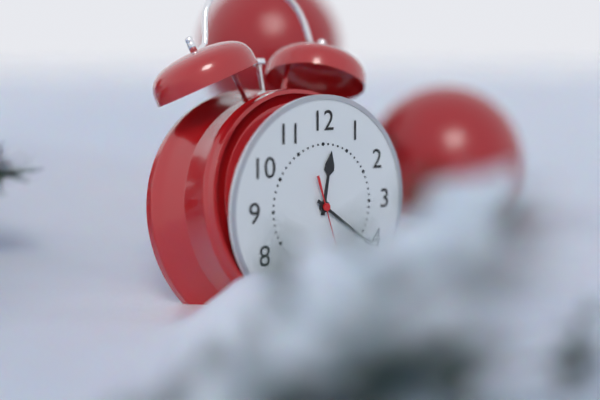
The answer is 12 h 21 min
